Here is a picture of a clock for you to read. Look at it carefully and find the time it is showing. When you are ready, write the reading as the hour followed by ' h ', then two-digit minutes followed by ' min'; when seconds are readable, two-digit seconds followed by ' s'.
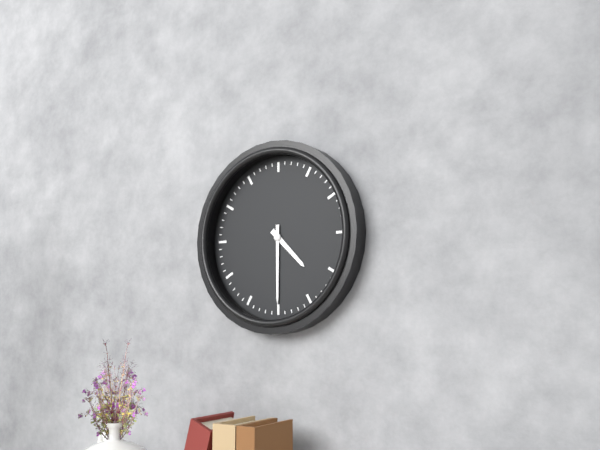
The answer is 4 h 30 min
